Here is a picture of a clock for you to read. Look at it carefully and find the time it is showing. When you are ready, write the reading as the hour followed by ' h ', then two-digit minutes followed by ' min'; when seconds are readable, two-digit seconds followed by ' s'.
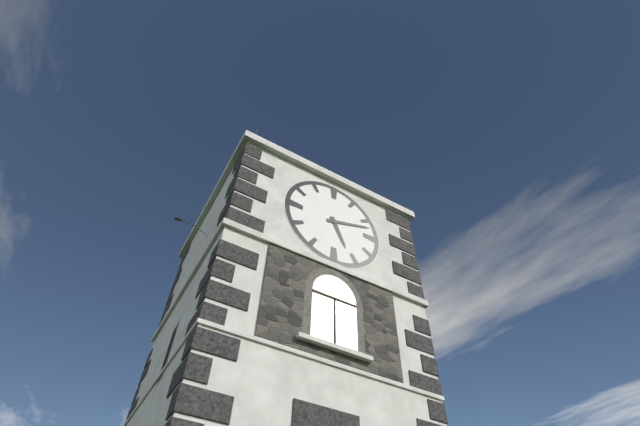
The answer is 5 h 12 min
